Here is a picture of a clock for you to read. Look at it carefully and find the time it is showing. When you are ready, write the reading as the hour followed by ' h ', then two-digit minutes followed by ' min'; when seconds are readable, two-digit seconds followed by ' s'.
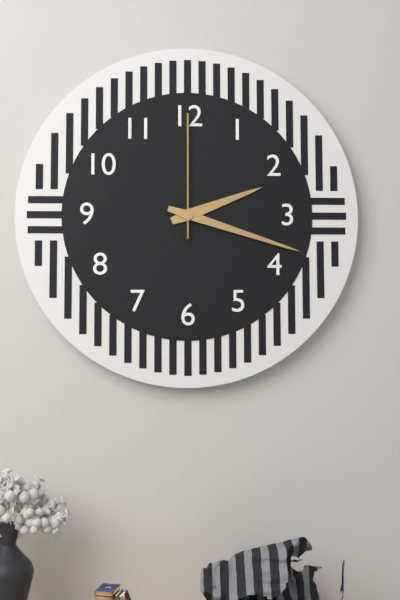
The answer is 2 h 18 min 00 s
